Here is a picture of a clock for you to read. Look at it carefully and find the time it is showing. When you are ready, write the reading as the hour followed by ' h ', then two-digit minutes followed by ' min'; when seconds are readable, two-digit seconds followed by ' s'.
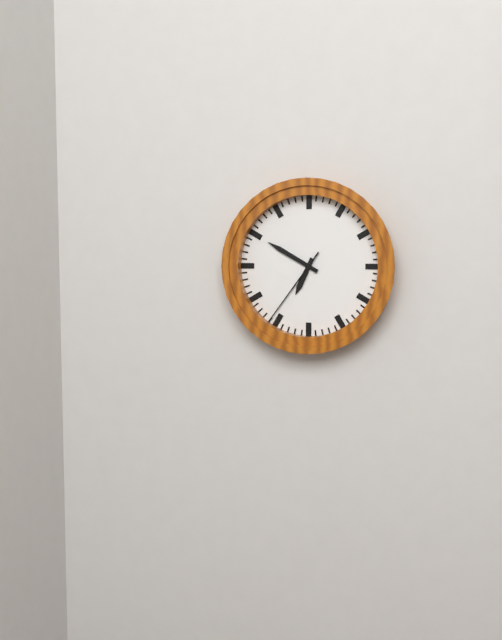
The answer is 6 h 50 min 36 s
